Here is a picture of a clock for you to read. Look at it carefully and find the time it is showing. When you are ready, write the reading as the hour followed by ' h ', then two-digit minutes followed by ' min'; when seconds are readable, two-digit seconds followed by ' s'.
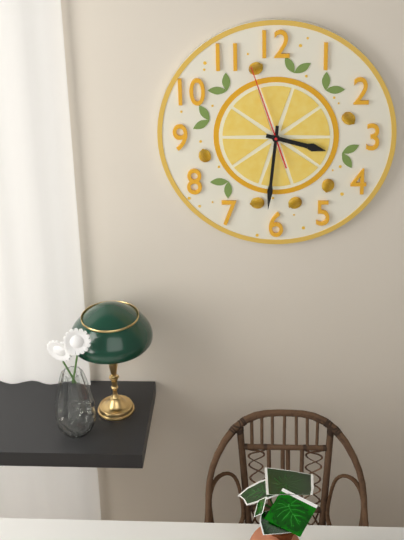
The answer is 3 h 31 min 57 s
